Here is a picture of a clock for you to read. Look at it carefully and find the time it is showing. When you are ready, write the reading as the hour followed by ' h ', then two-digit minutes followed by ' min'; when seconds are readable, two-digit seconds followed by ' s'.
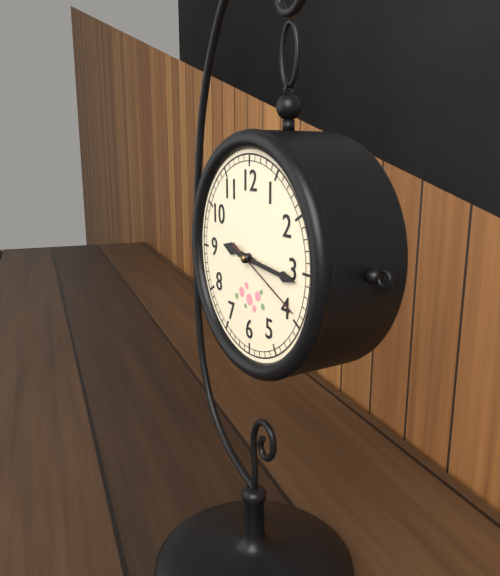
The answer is 9 h 16 min 19 s
